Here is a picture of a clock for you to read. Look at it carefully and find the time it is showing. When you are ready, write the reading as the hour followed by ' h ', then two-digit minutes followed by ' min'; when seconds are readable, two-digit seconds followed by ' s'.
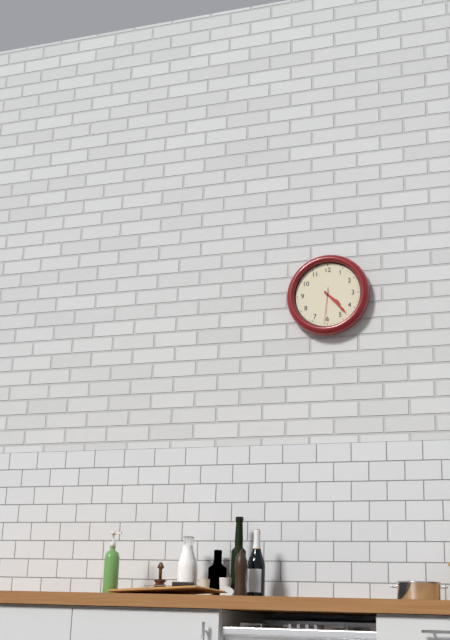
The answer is 4 h 23 min
